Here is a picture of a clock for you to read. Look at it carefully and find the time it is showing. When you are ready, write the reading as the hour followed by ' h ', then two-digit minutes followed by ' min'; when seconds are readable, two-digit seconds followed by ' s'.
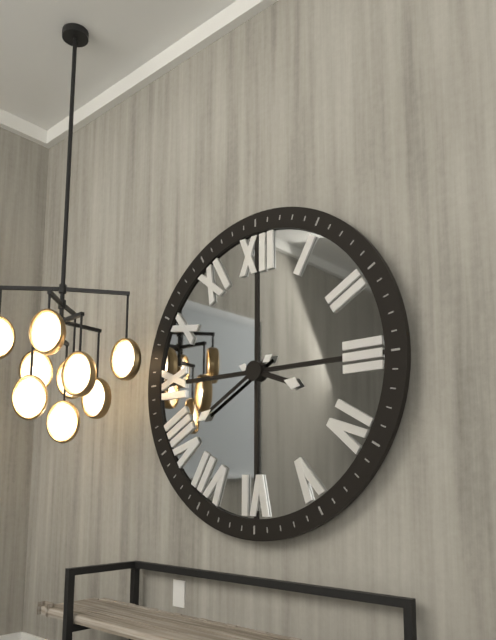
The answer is 3 h 40 min
